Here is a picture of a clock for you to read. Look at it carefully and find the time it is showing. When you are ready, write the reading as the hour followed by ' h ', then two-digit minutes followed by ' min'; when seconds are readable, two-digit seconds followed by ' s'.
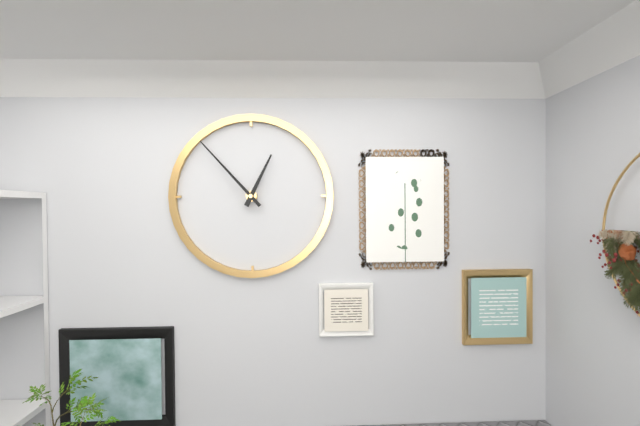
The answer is 12 h 53 min
